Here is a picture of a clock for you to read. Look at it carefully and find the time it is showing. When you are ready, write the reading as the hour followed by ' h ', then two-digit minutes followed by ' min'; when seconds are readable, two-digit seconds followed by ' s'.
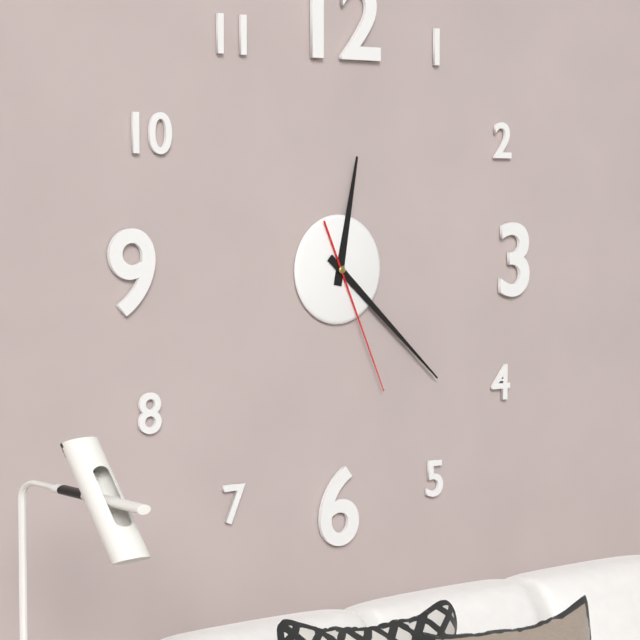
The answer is 12 h 22 min 26 s
